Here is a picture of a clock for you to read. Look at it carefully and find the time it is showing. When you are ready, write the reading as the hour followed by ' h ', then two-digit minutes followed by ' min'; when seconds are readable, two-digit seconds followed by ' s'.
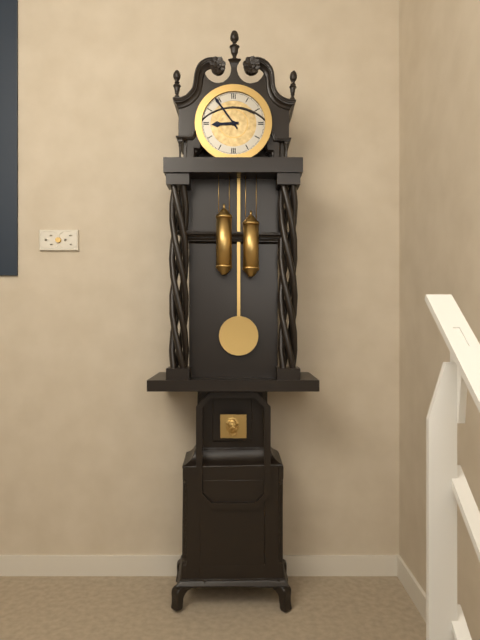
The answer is 8 h 54 min
